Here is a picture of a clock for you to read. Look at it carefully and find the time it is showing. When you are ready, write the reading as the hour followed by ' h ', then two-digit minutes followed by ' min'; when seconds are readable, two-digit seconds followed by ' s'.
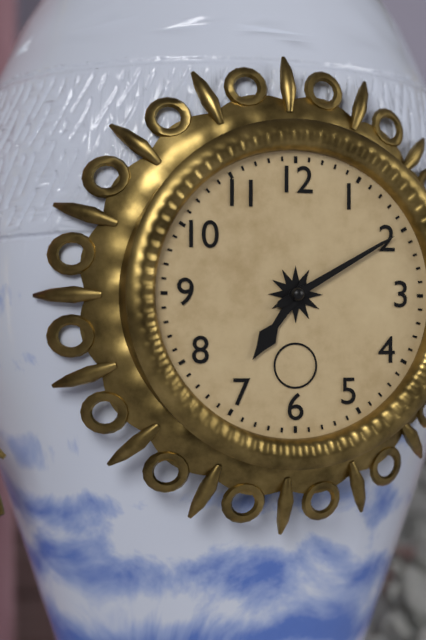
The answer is 7 h 10 min
